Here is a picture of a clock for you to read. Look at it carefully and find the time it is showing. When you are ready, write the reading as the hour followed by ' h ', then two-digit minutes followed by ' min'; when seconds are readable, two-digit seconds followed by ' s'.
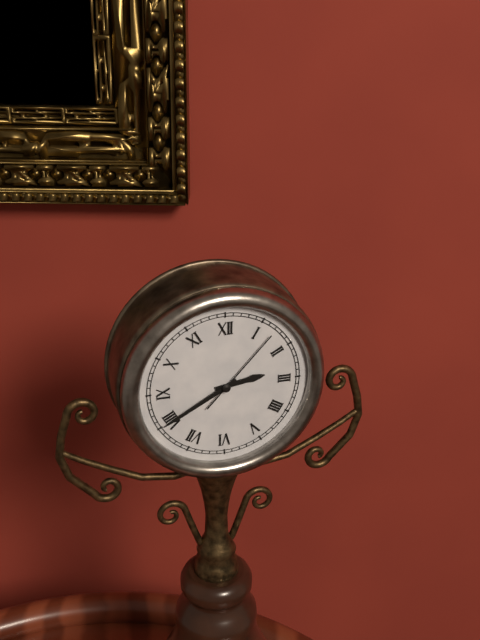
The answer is 2 h 40 min 07 s
